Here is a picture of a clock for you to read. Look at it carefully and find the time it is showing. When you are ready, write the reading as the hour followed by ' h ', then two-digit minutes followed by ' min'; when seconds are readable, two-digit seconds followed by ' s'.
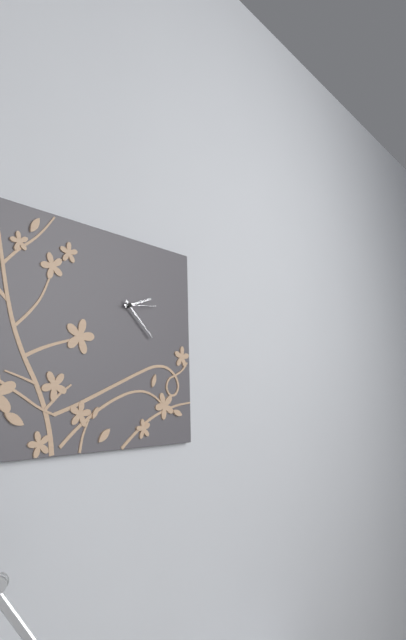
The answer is 2 h 22 min
